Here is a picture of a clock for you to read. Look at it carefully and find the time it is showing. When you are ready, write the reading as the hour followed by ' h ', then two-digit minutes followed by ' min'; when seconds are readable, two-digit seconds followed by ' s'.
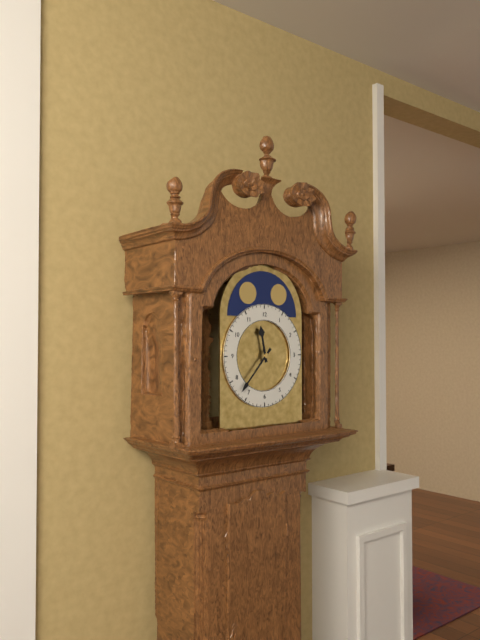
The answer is 11 h 37 min
